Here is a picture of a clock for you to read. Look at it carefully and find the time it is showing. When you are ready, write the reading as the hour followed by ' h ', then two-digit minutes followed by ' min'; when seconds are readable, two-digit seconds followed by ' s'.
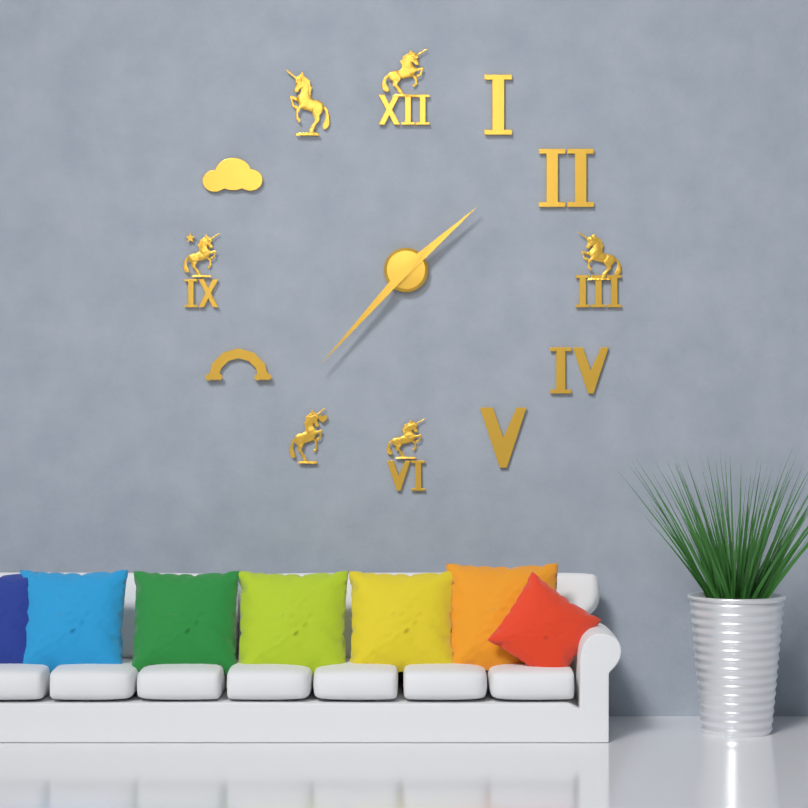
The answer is 1 h 37 min
